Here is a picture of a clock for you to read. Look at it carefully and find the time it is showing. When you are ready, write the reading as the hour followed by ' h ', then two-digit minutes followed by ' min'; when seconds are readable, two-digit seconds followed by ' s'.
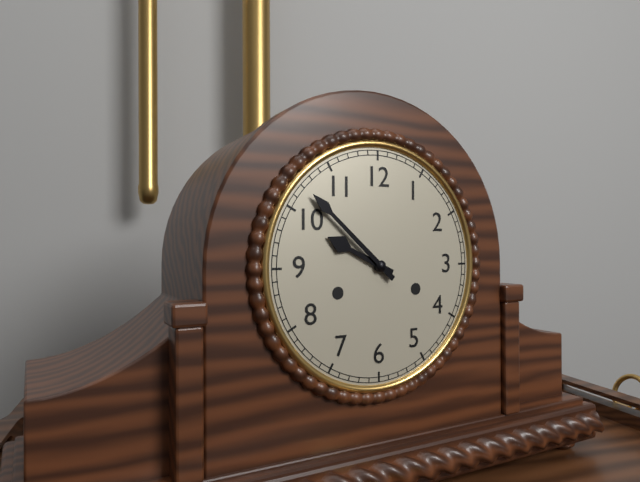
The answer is 9 h 52 min
